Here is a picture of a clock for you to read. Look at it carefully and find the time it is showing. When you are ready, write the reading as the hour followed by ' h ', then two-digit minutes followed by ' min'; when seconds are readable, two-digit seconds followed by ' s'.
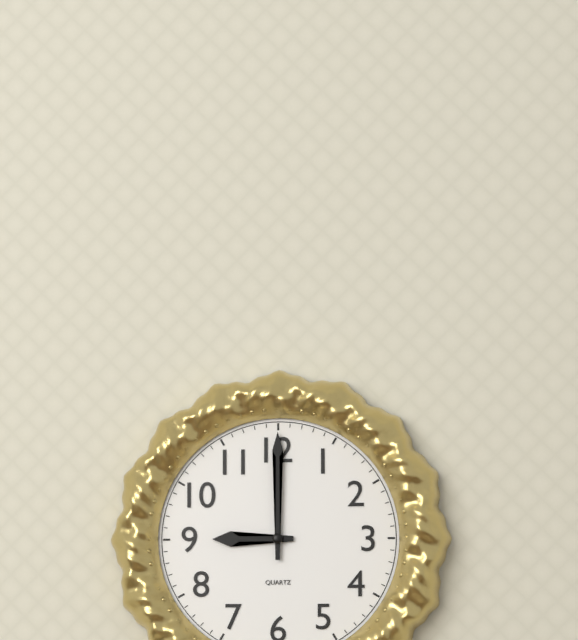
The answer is 9 h 00 min
